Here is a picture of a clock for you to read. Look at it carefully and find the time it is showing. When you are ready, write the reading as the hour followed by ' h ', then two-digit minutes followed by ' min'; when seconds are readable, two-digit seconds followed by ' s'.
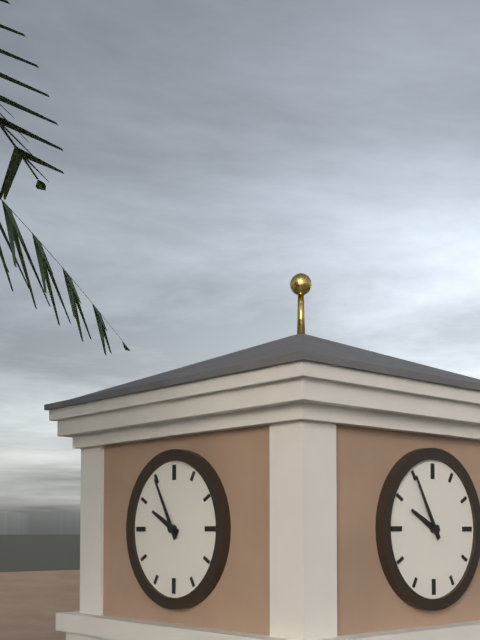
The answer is 9 h 55 min
